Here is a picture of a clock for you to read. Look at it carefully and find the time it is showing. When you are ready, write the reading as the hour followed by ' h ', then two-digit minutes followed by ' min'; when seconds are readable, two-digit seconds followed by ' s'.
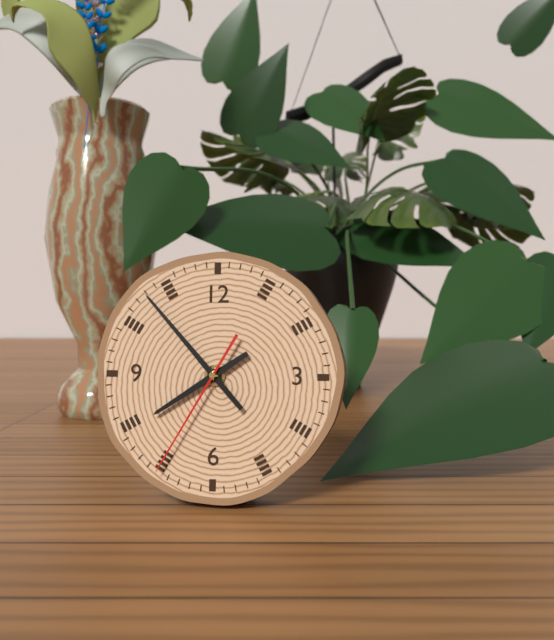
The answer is 7 h 53 min 35 s
